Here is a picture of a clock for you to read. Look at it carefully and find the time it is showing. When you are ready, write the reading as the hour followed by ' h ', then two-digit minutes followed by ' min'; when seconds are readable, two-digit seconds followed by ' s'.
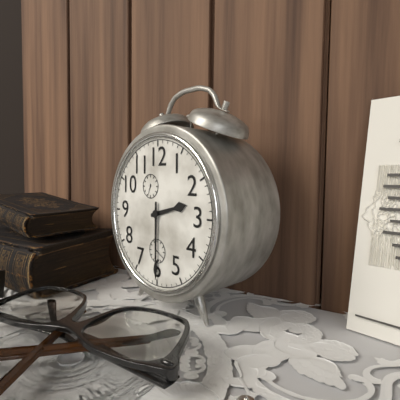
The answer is 2 h 30 min
